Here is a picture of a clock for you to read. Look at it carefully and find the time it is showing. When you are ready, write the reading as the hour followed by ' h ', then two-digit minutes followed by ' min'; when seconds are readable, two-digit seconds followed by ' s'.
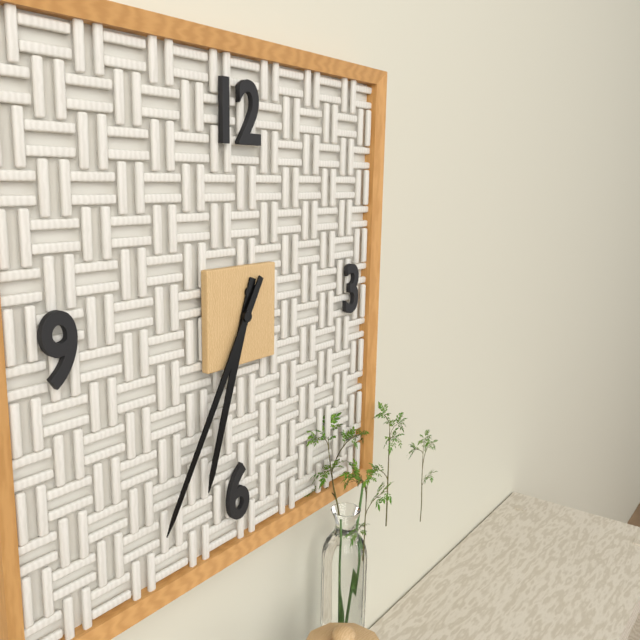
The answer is 6 h 35 min
